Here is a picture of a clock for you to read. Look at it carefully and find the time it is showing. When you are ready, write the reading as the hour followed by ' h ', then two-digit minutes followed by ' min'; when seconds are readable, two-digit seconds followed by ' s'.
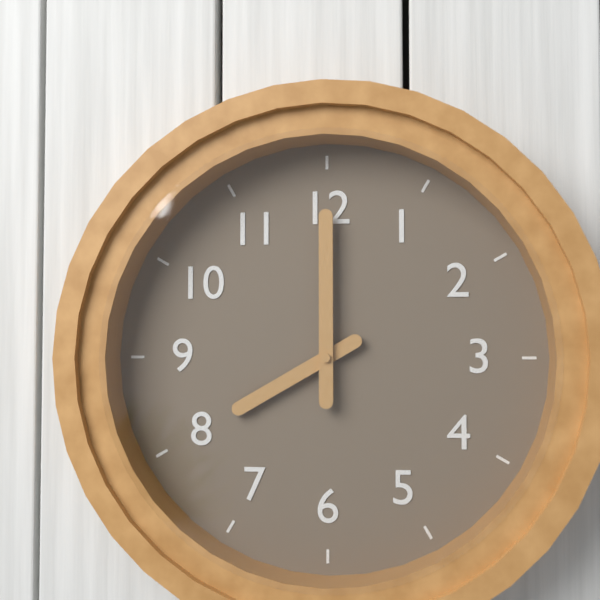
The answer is 8 h 00 min
